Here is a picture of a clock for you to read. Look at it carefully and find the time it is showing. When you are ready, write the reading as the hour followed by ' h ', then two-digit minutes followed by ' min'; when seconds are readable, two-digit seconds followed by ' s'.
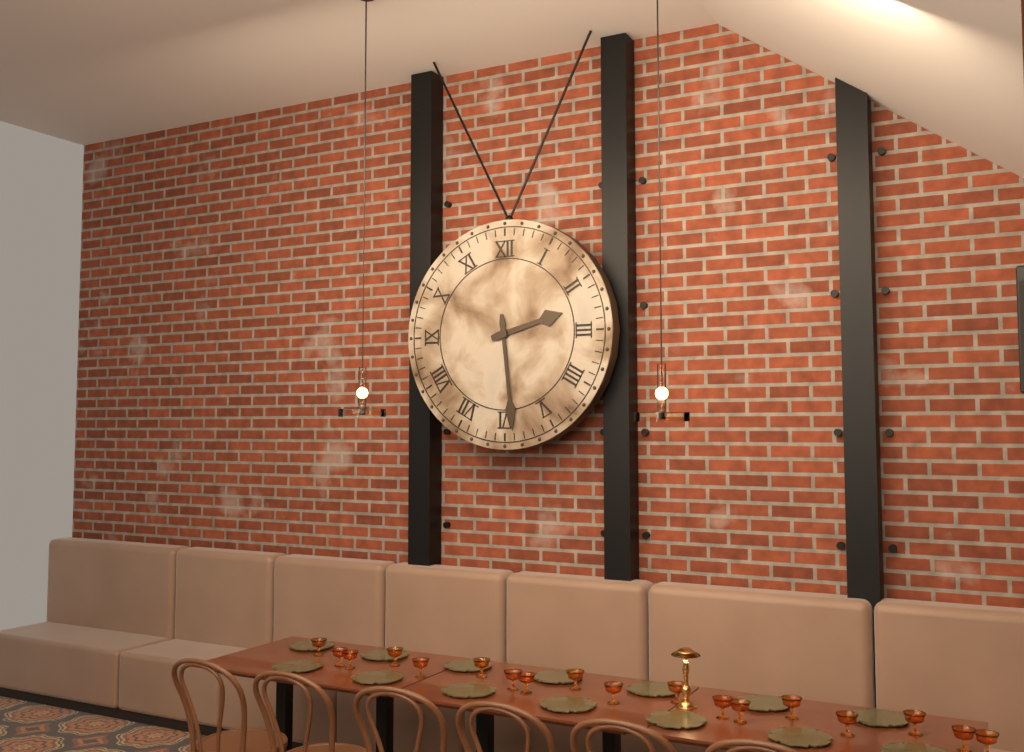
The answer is 2 h 29 min
